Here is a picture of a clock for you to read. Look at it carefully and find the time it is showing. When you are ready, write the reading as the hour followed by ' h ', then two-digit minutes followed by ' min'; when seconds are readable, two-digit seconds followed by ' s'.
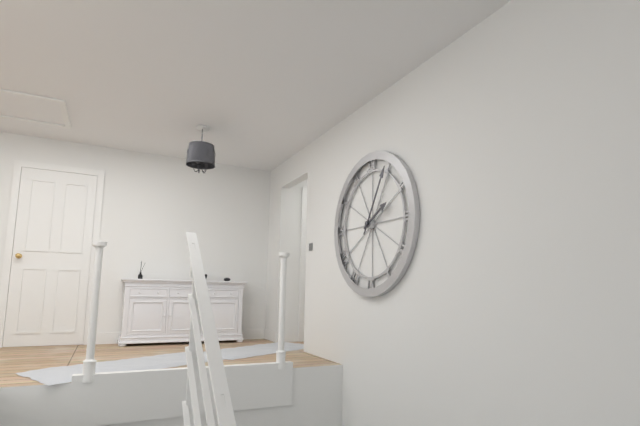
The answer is 2 h 05 min
